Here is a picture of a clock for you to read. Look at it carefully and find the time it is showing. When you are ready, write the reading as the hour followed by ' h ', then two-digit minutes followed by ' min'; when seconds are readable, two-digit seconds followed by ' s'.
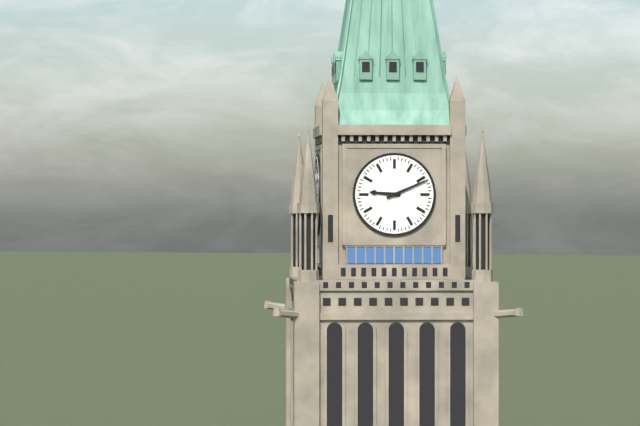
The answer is 9 h 11 min
